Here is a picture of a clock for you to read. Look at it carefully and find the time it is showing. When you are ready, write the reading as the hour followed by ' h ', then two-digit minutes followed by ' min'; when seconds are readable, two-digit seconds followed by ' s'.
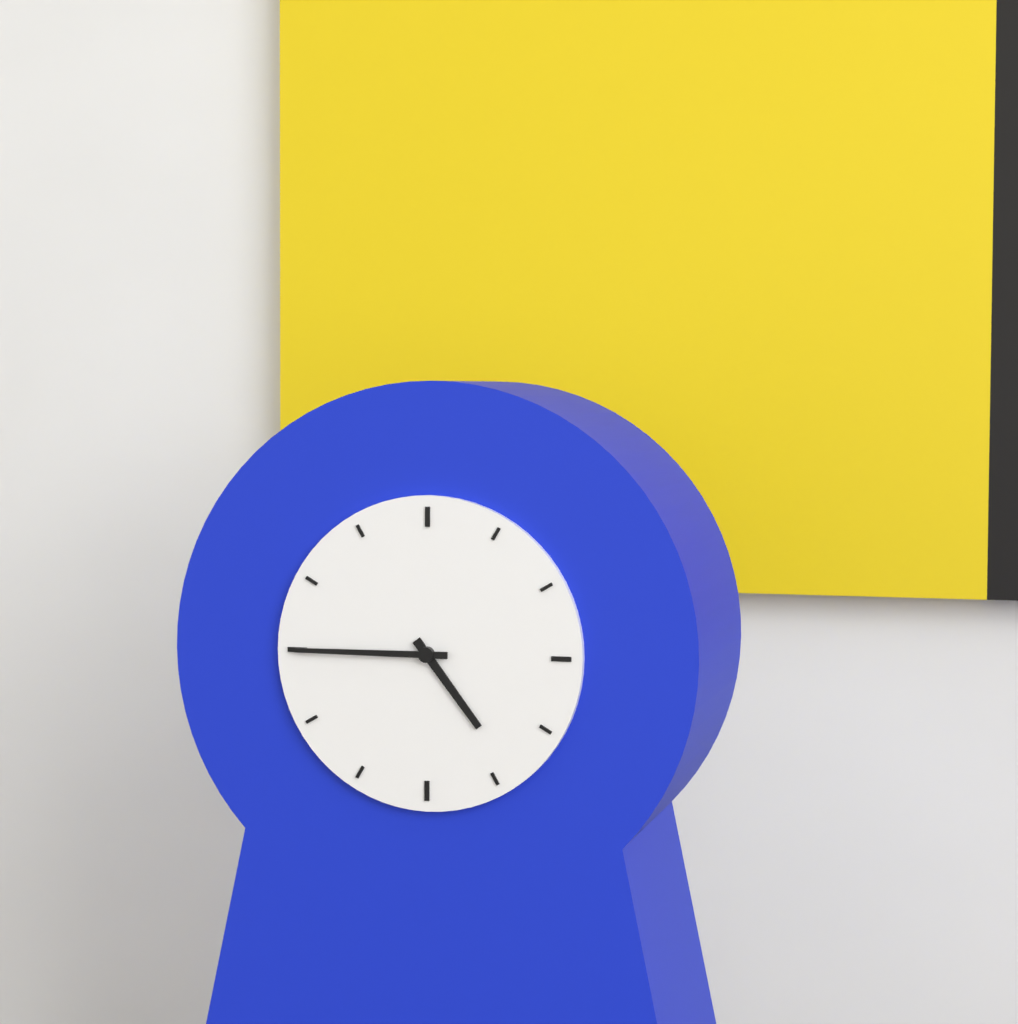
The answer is 4 h 45 min
